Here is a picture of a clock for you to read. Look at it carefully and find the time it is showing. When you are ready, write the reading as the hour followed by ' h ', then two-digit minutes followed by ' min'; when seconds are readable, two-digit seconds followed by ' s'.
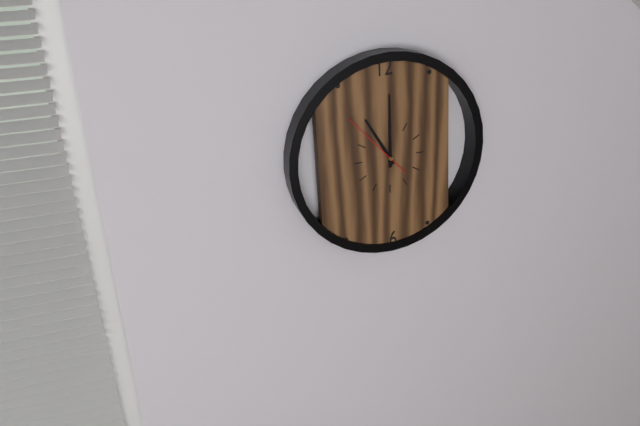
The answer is 11 h 00 min 53 s
